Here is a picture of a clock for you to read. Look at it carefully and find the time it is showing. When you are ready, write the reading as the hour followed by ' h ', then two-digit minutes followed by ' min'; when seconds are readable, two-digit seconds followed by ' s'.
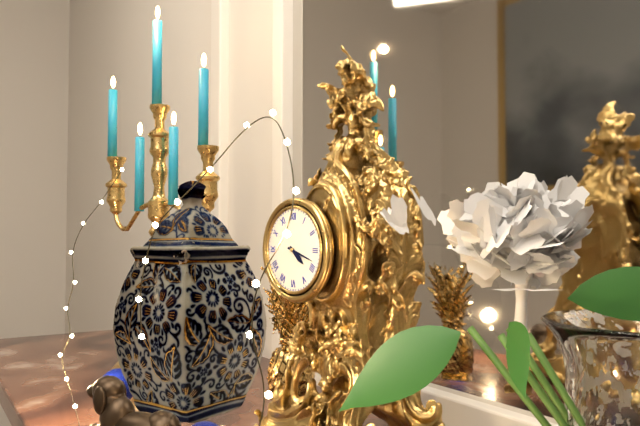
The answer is 4 h 18 min
